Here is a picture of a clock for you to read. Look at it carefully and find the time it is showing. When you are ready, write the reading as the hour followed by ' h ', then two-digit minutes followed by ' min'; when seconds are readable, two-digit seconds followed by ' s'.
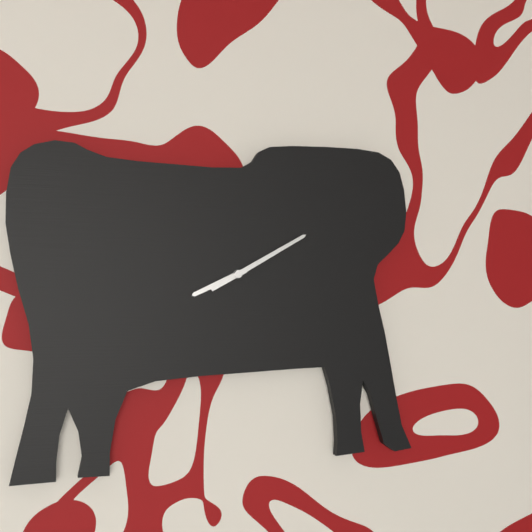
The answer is 8 h 10 min
